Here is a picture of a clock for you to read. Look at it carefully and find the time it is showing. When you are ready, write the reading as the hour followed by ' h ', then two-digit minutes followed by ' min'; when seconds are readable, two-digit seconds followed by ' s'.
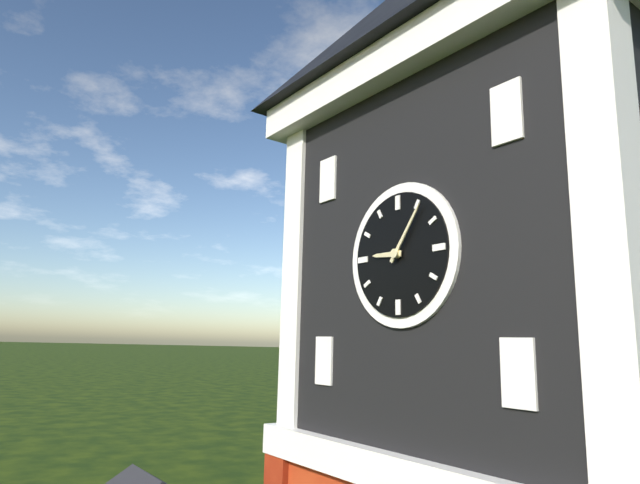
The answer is 9 h 06 min
